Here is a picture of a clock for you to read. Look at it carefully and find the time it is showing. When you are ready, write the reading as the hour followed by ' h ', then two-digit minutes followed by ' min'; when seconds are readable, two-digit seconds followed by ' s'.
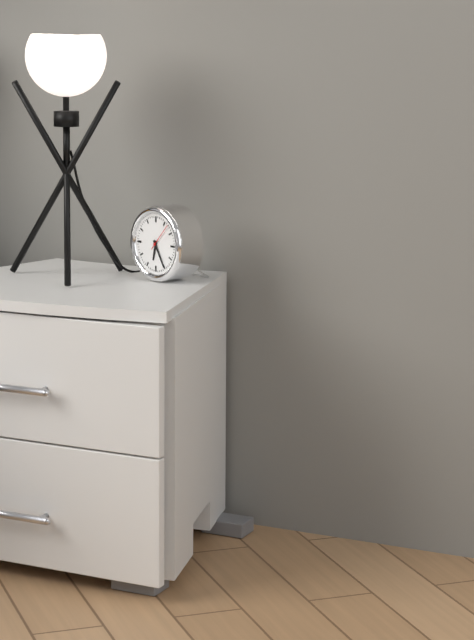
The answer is 6 h 25 min
